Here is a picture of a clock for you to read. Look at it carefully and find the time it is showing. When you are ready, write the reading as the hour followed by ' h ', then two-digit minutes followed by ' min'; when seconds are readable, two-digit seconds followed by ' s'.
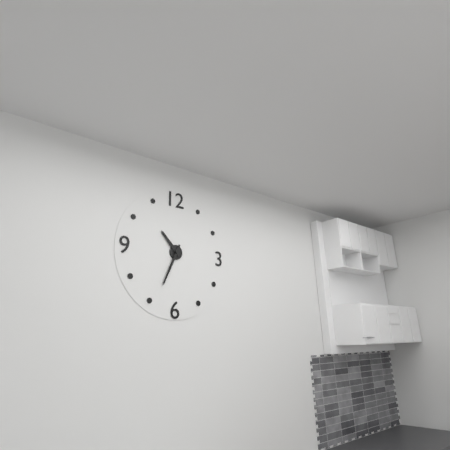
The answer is 10 h 34 min
